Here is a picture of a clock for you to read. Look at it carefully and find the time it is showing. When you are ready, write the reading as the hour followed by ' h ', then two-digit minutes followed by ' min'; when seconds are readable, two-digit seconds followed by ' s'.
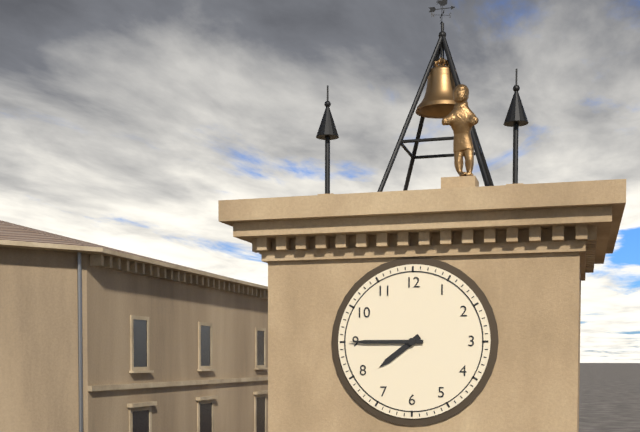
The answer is 7 h 45 min
